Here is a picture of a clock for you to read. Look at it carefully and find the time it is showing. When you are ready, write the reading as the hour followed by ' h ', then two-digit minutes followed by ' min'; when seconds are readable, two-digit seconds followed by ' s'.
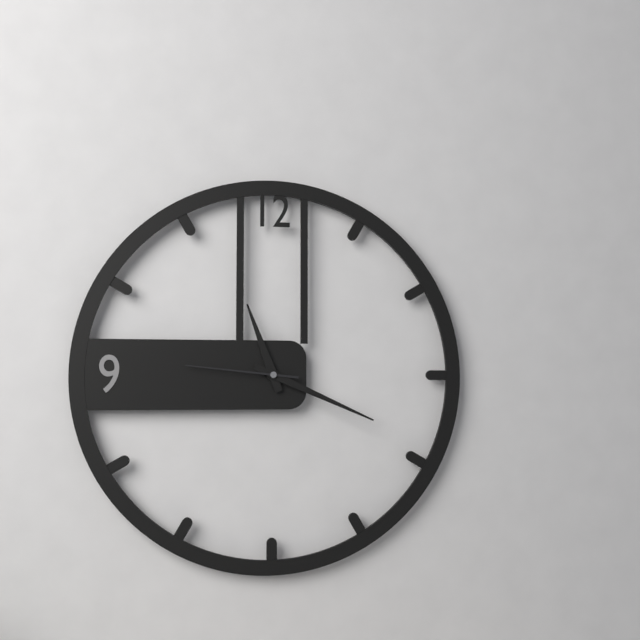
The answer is 11 h 19 min 46 s
